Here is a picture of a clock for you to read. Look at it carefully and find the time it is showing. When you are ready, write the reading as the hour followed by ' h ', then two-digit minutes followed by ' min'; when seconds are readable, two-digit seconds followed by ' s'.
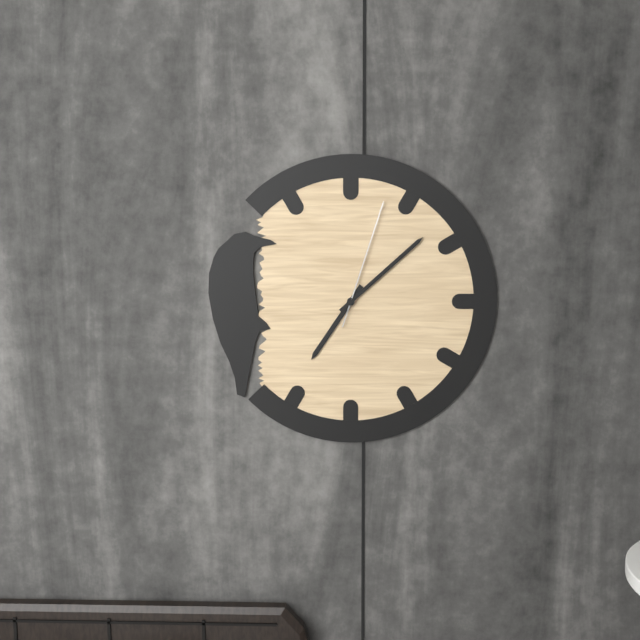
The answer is 7 h 08 min 03 s
